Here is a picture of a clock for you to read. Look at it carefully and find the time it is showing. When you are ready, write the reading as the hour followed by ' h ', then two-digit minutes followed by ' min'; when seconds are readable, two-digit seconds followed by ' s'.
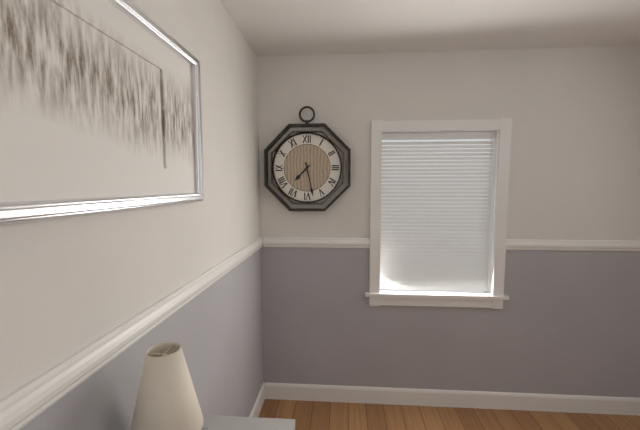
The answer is 7 h 28 min
